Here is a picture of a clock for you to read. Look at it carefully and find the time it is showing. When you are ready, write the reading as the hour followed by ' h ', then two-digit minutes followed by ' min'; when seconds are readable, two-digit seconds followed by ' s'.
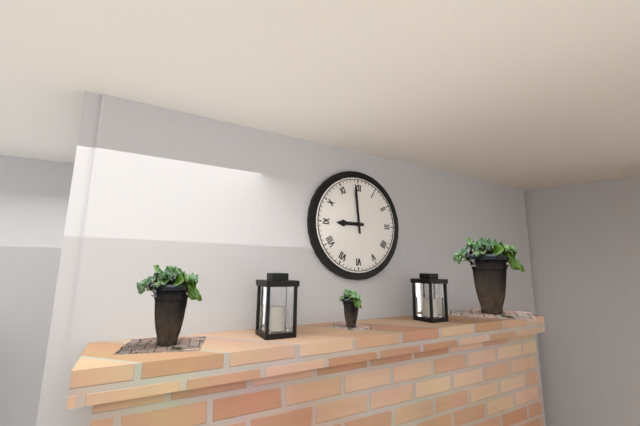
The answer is 8 h 59 min
